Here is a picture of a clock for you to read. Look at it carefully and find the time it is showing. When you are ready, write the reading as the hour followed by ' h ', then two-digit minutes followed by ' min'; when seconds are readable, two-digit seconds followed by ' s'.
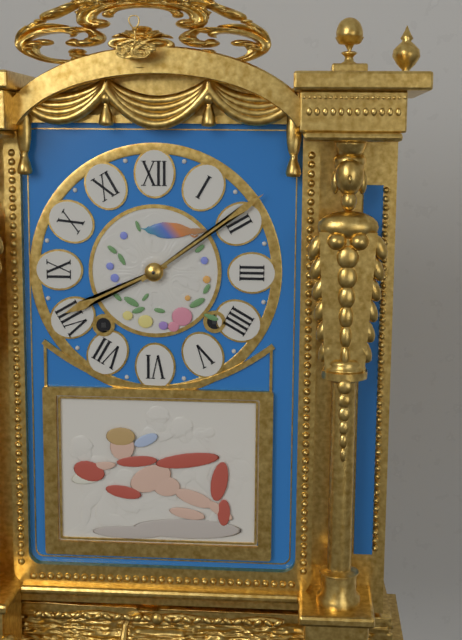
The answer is 8 h 09 min
